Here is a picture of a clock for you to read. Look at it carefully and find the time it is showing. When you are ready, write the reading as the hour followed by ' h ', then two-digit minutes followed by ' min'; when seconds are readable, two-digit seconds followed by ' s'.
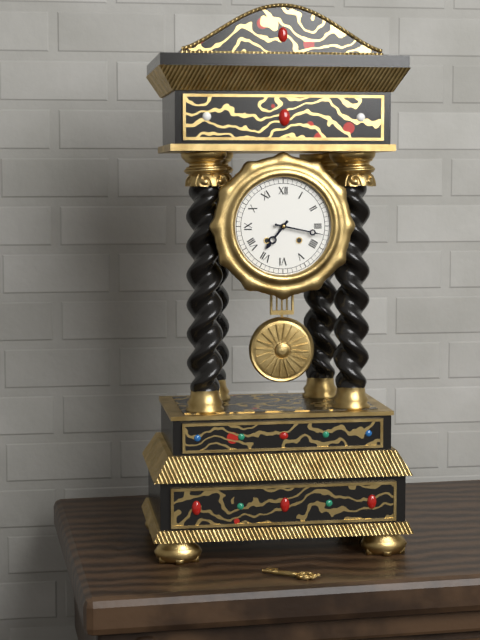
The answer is 7 h 17 min
